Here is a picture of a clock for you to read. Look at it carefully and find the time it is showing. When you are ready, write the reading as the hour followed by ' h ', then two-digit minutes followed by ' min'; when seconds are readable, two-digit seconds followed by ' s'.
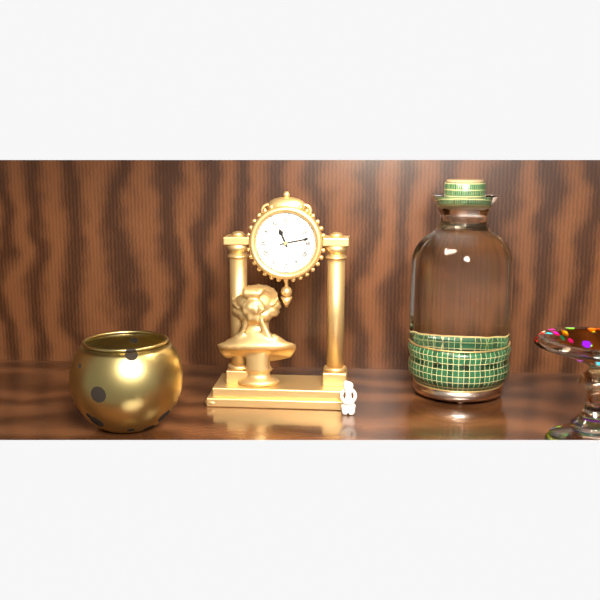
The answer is 11 h 13 min
